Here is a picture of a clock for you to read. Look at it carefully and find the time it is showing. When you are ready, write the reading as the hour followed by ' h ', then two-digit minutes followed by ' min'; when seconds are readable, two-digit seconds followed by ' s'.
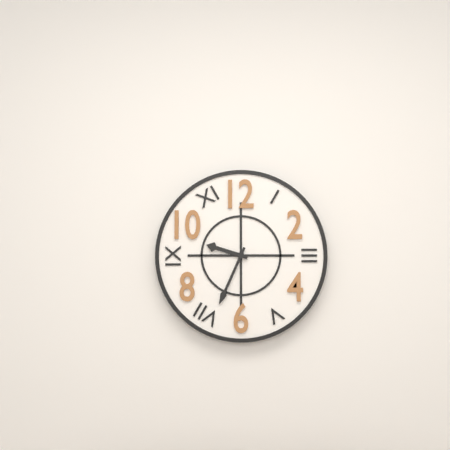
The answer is 9 h 34 min
